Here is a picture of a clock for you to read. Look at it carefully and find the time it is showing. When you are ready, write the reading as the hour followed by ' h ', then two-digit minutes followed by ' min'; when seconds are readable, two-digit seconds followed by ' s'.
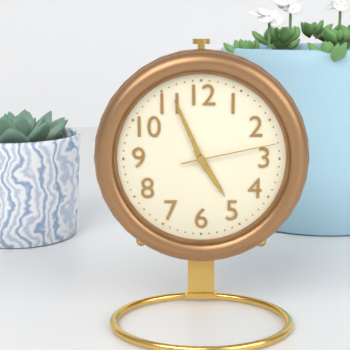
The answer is 4 h 56 min 13 s
